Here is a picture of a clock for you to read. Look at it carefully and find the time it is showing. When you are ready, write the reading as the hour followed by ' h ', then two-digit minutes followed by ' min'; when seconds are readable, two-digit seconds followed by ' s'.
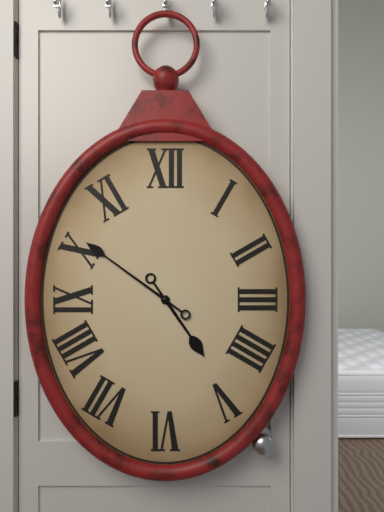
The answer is 4 h 51 min
